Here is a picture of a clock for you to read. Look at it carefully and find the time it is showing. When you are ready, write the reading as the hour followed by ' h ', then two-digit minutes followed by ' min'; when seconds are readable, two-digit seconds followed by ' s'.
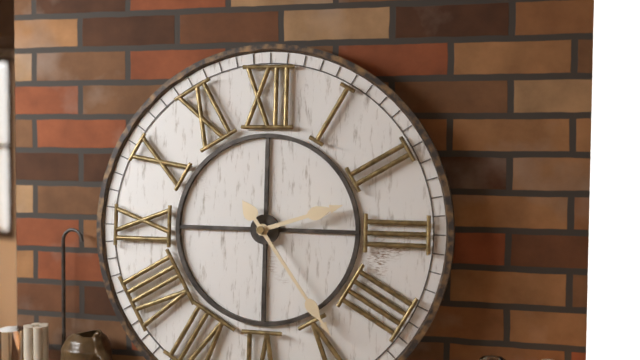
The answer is 2 h 24 min
